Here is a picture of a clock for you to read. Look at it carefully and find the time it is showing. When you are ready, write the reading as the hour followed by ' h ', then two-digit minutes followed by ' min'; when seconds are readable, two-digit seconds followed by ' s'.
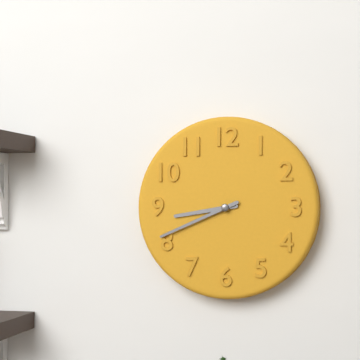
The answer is 8 h 41 min
